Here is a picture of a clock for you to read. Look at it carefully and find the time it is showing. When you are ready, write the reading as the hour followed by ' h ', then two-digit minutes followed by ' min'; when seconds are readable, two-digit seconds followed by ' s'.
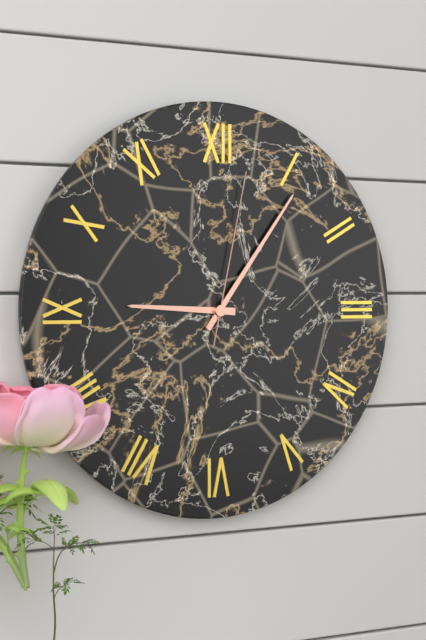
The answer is 9 h 06 min 02 s
